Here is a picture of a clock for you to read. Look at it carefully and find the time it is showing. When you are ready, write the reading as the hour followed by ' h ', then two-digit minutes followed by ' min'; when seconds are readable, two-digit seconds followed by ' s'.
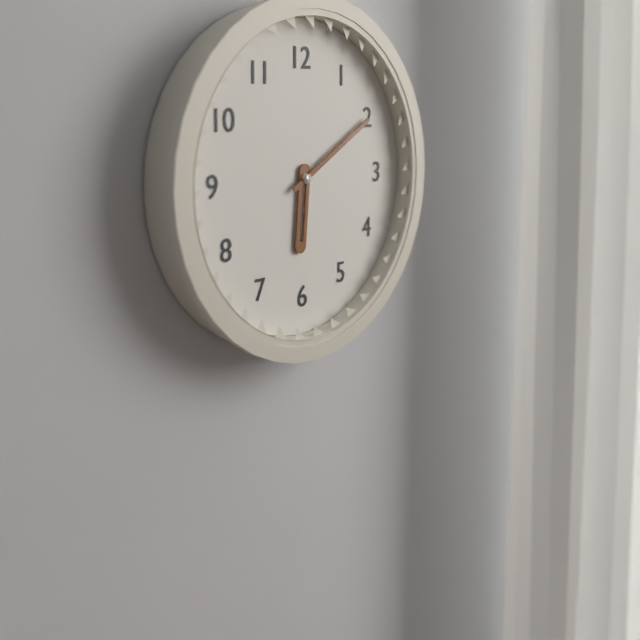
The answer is 6 h 10 min
